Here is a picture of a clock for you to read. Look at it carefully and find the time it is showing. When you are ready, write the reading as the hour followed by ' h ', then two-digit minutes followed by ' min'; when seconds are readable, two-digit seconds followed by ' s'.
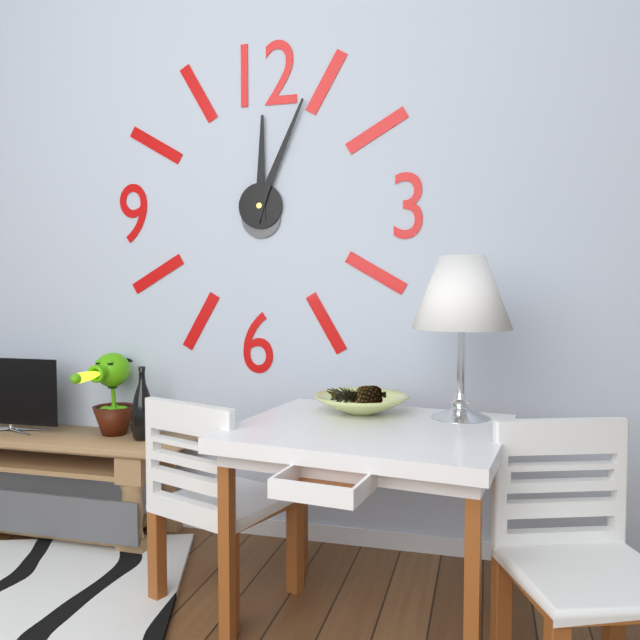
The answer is 12 h 04 min
